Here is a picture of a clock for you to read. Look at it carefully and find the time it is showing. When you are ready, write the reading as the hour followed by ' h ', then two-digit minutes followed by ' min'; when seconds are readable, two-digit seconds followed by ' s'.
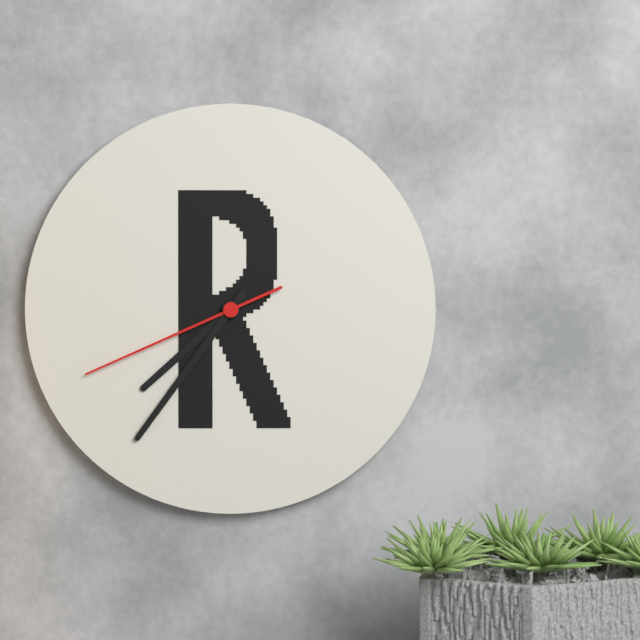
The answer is 7 h 36 min 41 s
